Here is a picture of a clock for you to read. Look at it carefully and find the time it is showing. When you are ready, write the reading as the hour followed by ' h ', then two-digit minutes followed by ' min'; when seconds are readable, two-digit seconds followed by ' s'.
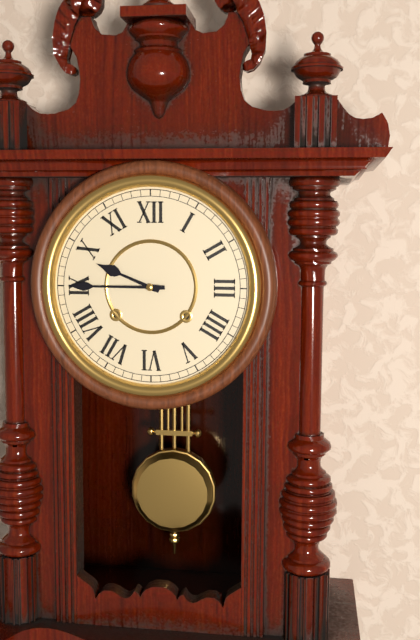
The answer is 9 h 45 min
